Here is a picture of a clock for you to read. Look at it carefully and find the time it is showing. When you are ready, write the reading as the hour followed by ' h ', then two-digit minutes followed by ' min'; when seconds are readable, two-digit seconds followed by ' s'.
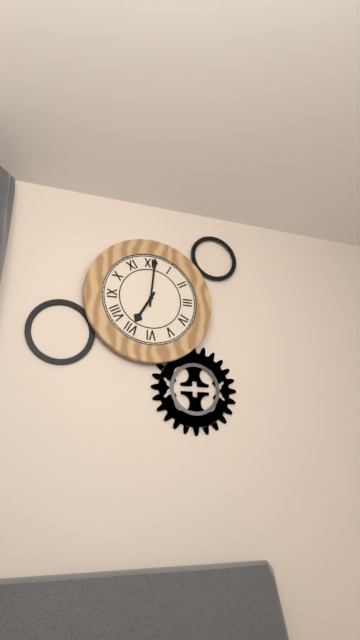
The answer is 7 h 01 min
